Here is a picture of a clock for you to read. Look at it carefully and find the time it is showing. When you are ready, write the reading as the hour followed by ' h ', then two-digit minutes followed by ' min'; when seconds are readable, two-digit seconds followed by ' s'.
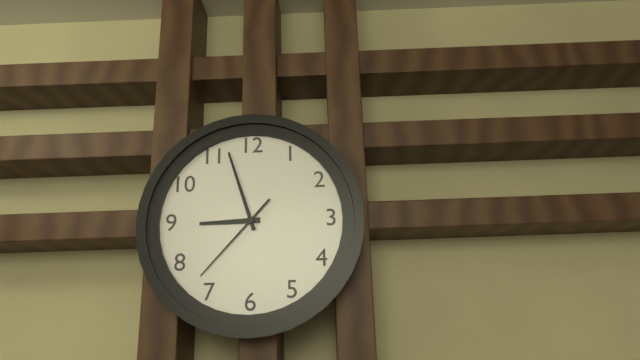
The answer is 8 h 57 min 37 s
